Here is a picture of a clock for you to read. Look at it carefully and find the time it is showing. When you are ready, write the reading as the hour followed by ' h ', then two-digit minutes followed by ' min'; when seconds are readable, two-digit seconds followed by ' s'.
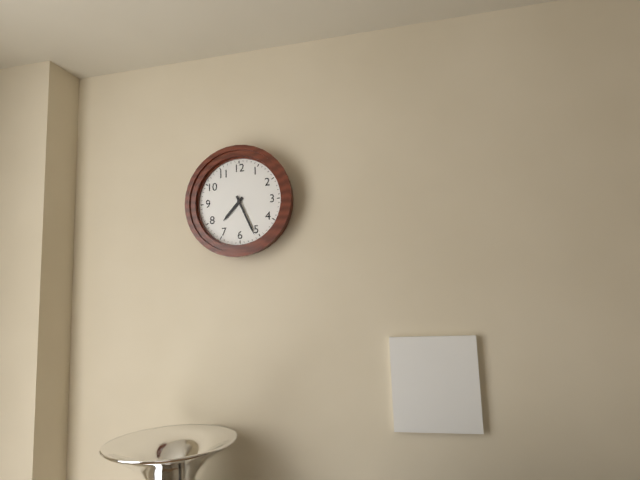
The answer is 7 h 26 min
